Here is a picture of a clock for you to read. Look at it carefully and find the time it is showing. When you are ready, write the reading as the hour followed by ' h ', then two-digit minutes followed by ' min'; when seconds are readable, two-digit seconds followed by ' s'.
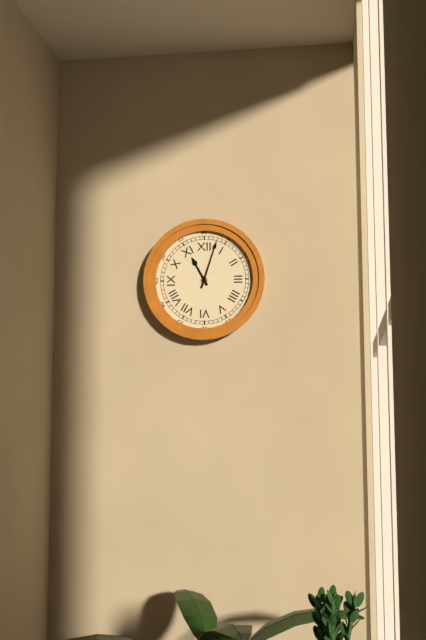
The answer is 11 h 03 min
